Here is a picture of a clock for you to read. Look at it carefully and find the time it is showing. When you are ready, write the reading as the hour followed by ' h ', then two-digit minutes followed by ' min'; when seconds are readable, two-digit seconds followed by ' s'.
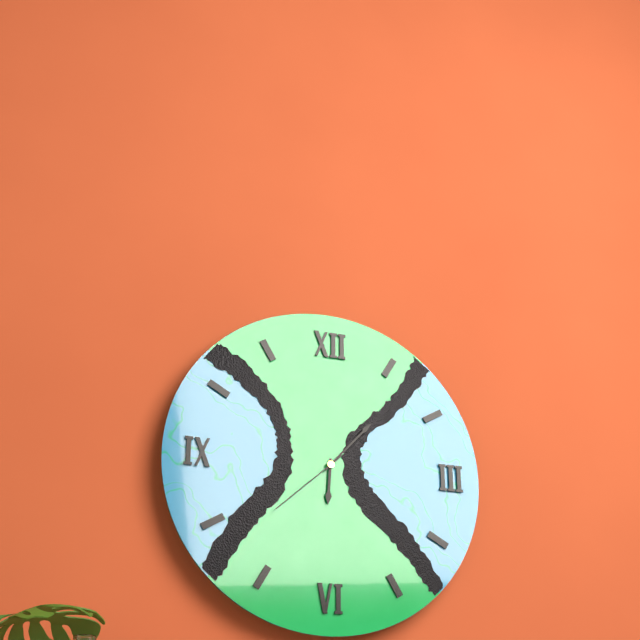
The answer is 6 h 07 min 38 s
